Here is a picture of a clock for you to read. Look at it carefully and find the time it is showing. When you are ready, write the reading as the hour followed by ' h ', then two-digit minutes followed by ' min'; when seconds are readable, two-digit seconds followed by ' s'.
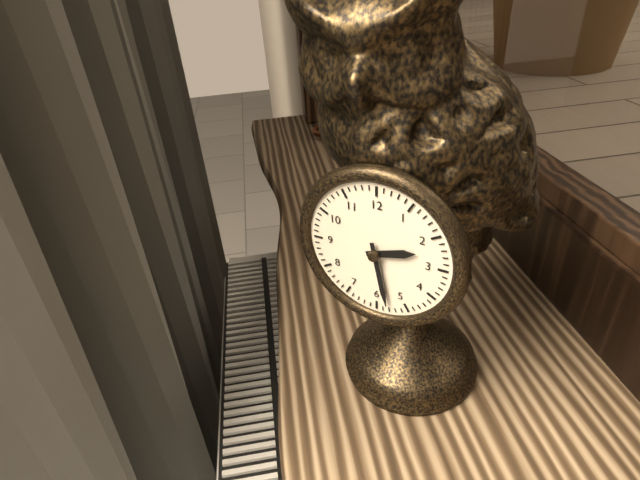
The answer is 2 h 28 min
